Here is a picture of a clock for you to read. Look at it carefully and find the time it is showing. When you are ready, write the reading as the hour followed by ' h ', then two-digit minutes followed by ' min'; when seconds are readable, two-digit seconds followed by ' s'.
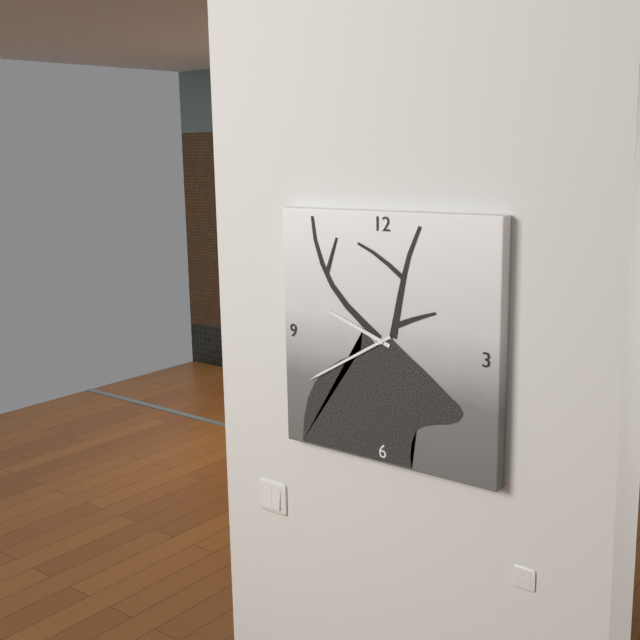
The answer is 9 h 40 min
